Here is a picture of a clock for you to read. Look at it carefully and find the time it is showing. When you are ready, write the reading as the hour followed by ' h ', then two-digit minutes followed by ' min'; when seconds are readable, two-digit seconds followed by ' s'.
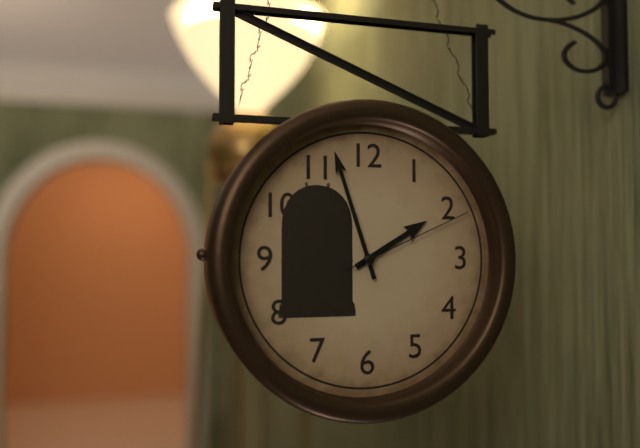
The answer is 1 h 57 min 11 s
